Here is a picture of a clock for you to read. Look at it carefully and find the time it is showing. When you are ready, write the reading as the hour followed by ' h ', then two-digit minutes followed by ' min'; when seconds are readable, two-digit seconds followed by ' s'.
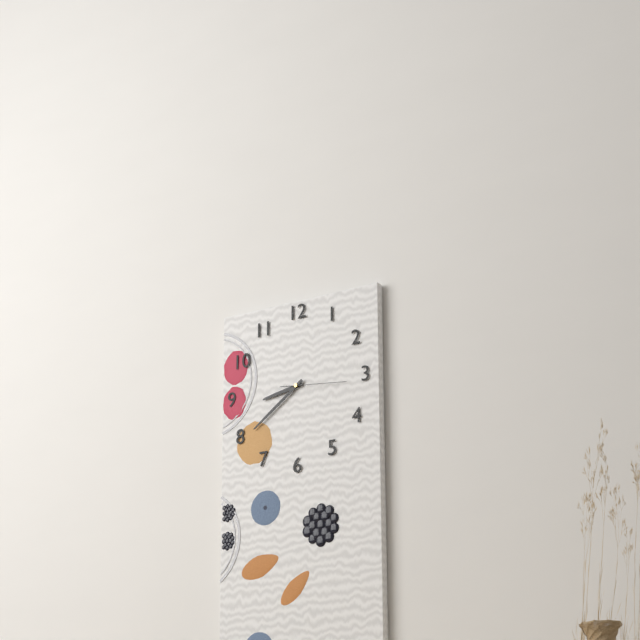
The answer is 8 h 39 min 16 s
